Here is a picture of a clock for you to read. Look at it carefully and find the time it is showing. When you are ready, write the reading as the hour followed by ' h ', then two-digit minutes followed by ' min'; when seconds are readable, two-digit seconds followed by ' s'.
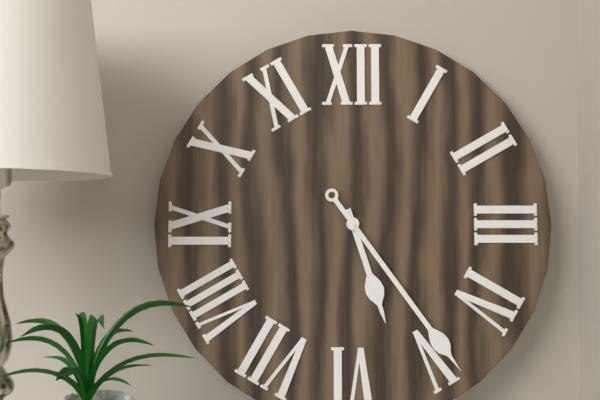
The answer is 5 h 24 min
